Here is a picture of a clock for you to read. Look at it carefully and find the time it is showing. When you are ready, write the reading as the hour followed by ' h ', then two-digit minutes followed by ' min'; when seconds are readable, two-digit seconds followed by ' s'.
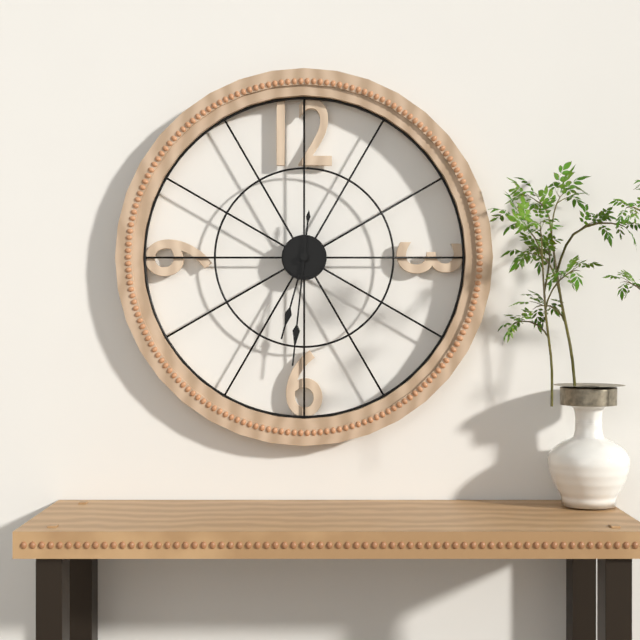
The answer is 6 h 31 min
